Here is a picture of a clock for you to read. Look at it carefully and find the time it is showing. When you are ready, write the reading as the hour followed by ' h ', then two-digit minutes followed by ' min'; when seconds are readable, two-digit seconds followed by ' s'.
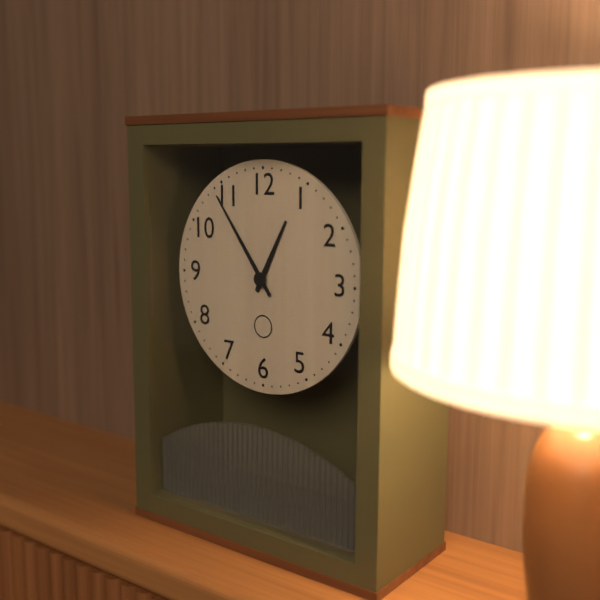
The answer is 12 h 54 min
